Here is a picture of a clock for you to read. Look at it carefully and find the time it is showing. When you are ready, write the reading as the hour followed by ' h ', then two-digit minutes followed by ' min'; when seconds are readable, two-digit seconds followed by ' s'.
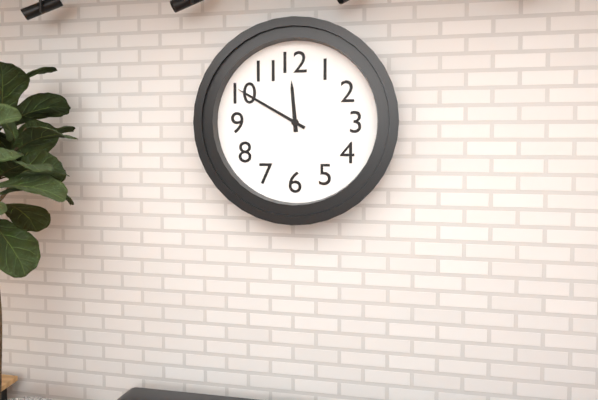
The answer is 11 h 50 min
